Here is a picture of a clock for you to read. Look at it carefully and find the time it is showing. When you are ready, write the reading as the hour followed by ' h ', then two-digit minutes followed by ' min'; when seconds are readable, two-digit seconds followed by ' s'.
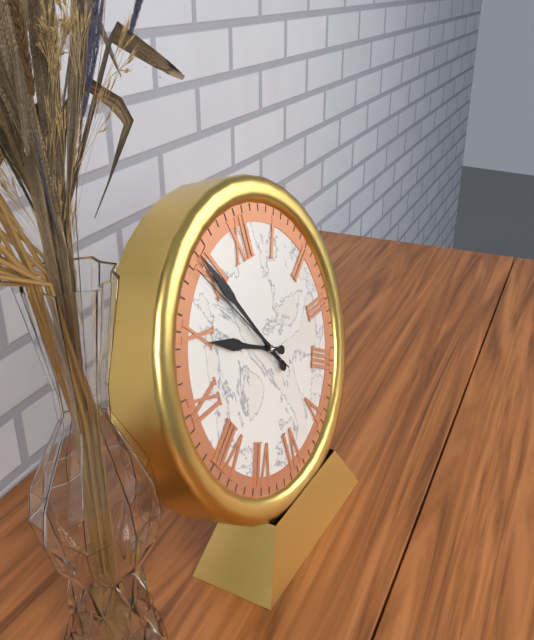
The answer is 9 h 55 min 54 s
